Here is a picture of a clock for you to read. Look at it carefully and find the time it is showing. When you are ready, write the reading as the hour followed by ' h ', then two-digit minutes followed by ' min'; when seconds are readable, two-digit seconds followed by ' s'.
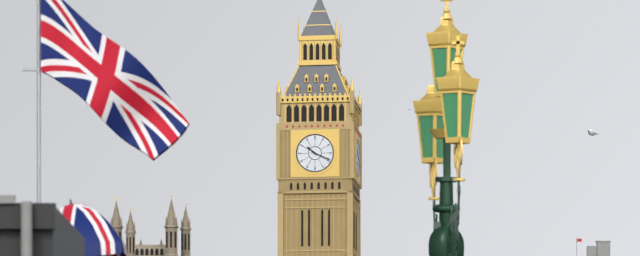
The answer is 10 h 19 min
